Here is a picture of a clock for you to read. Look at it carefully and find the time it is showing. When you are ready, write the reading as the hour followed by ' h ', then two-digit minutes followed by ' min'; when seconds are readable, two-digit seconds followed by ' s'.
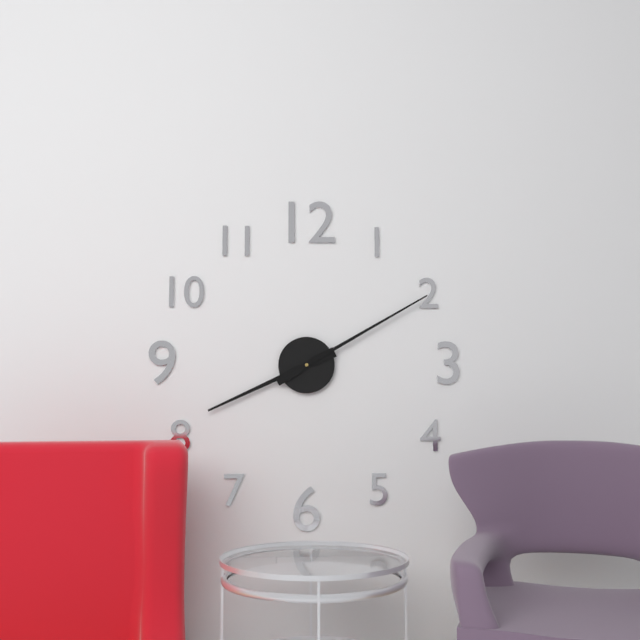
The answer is 8 h 10 min
